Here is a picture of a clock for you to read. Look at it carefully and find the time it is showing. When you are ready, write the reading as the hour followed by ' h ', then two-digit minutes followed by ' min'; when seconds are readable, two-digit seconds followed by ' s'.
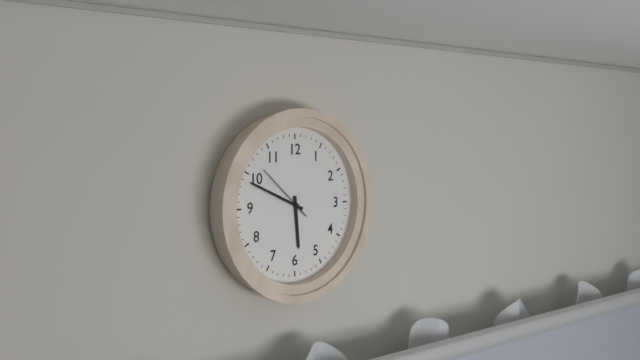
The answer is 5 h 49 min 52 s
